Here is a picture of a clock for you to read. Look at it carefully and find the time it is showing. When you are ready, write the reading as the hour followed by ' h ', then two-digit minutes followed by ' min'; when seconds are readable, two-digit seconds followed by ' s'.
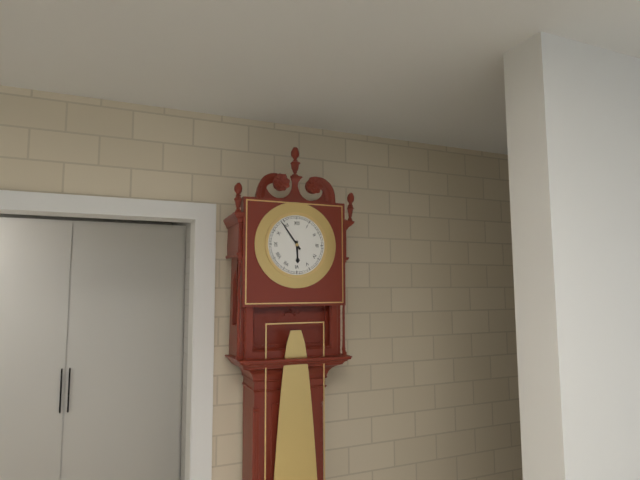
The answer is 5 h 54 min
